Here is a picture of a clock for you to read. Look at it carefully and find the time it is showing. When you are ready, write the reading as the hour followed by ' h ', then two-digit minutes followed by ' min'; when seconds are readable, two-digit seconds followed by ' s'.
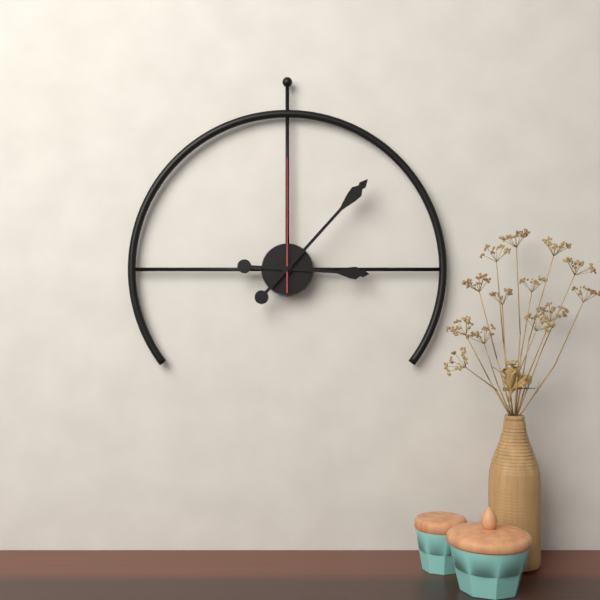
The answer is 3 h 07 min 00 s
